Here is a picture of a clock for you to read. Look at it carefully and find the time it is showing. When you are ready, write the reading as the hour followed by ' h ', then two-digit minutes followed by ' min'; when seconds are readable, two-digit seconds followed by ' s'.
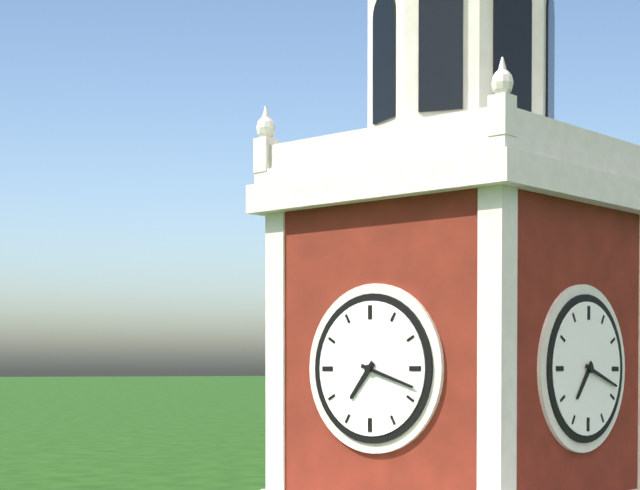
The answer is 7 h 18 min
